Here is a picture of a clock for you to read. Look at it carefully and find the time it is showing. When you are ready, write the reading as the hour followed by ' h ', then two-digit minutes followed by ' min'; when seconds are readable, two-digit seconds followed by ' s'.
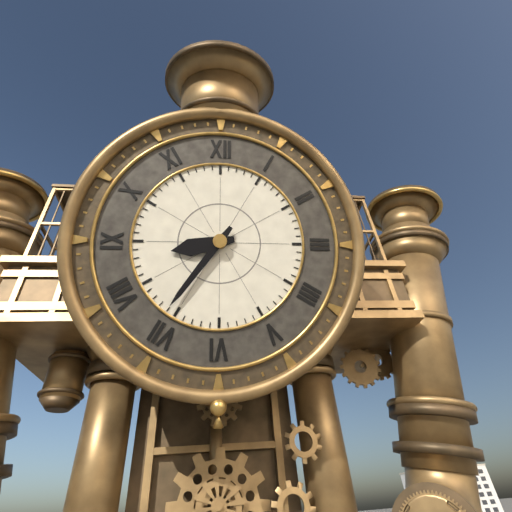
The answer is 8 h 36 min
